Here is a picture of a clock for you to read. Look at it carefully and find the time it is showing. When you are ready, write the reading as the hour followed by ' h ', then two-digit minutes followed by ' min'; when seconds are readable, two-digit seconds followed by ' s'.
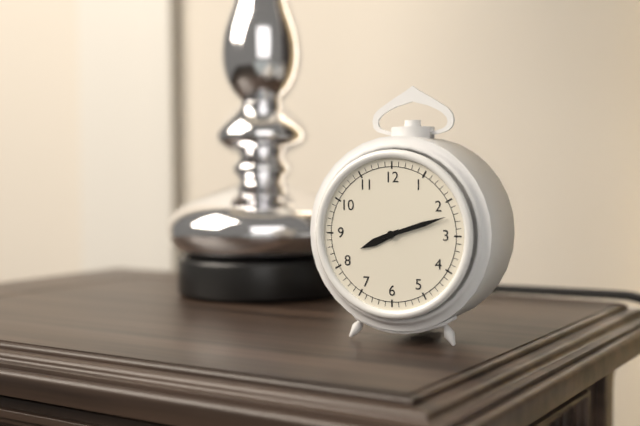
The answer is 8 h 12 min
